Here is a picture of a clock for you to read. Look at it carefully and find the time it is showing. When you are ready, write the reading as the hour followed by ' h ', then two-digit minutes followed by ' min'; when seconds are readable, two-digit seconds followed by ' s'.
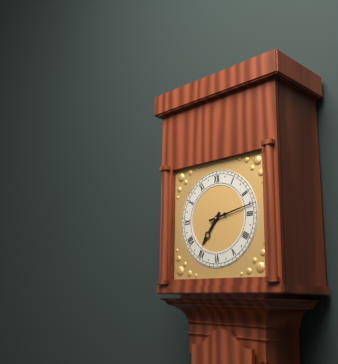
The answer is 7 h 13 min
